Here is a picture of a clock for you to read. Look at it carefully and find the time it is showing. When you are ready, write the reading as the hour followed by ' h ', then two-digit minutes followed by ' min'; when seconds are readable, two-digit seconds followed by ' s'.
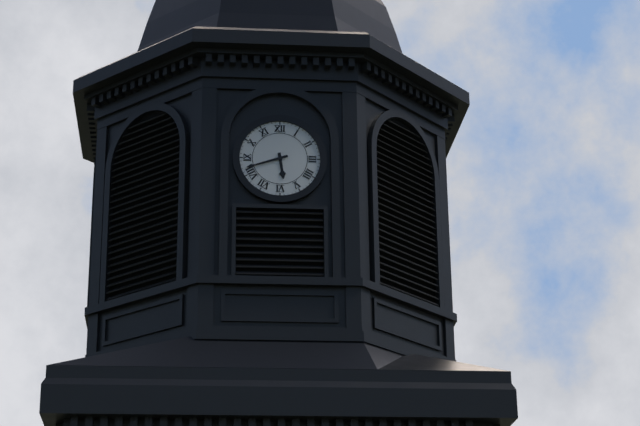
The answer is 5 h 42 min
